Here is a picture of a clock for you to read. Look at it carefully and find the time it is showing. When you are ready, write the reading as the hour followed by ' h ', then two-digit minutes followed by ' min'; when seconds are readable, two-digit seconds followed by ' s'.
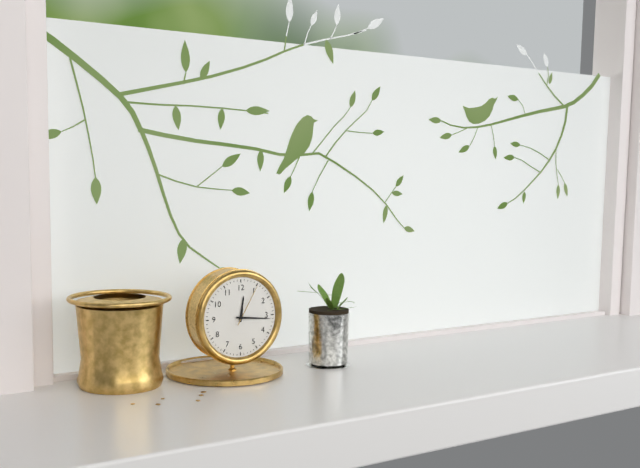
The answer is 12 h 16 min
